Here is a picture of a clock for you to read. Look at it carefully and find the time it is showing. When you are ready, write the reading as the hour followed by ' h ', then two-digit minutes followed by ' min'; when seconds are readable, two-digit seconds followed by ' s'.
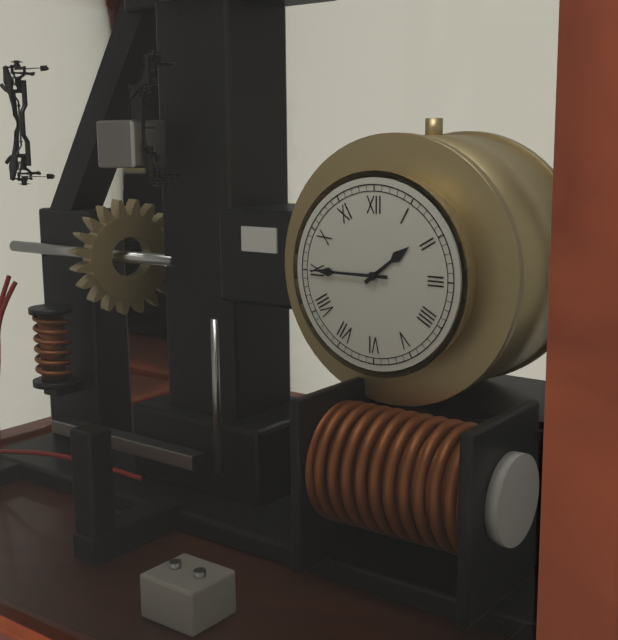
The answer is 1 h 45 min
